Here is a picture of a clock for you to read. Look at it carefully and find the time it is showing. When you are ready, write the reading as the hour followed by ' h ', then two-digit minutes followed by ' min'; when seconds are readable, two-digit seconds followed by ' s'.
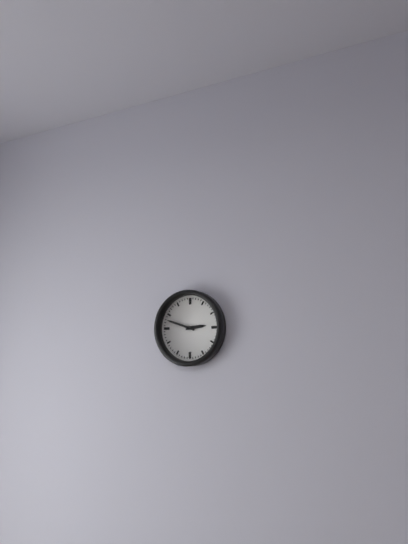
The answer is 2 h 48 min
